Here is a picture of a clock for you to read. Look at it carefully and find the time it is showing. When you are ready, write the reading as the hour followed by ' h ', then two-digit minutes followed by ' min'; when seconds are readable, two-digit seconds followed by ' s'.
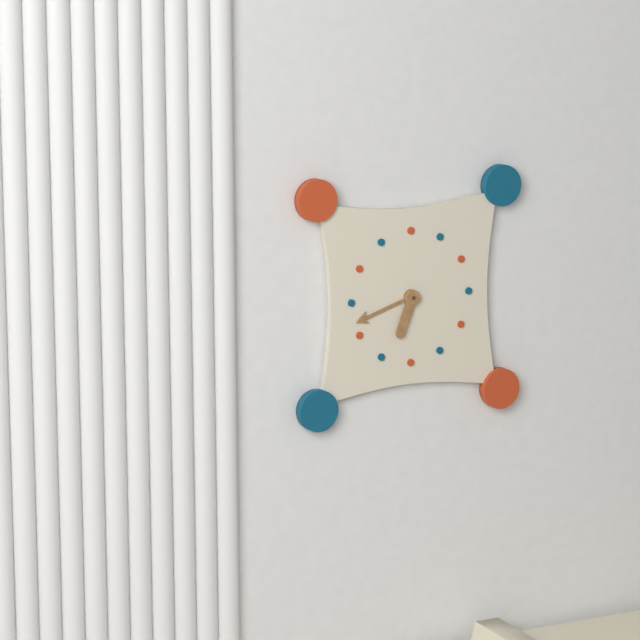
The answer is 6 h 42 min
